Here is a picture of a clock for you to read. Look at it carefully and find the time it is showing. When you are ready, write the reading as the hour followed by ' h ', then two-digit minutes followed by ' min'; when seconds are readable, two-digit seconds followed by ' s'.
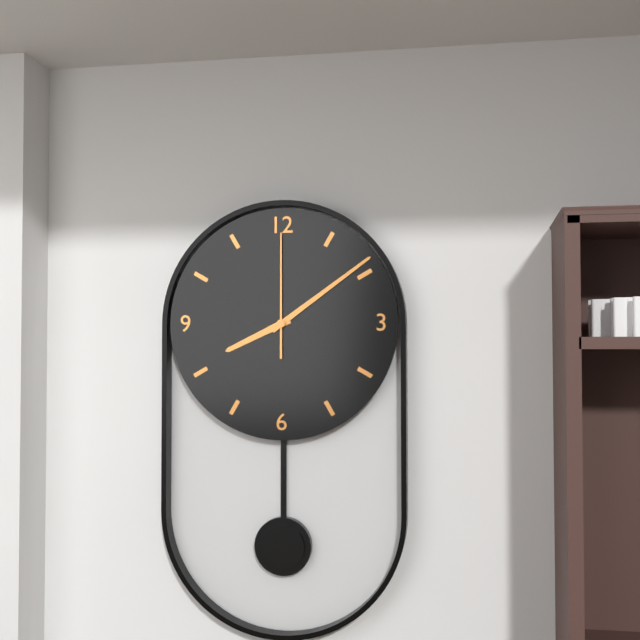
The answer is 8 h 09 min 00 s
